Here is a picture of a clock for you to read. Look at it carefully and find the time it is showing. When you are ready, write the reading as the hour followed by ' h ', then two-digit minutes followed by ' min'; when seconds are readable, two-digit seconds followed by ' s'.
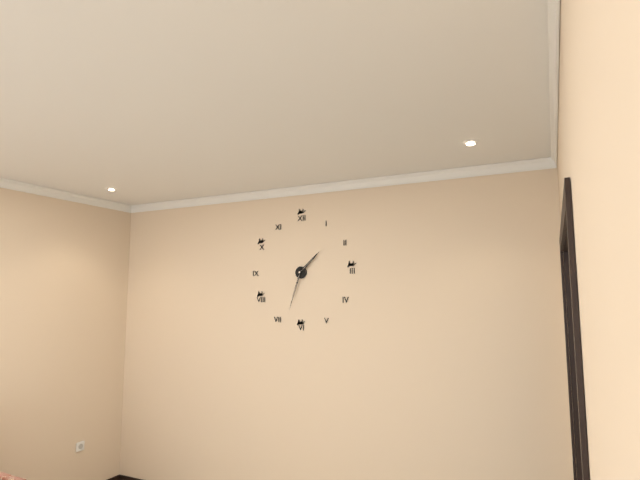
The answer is 1 h 33 min
